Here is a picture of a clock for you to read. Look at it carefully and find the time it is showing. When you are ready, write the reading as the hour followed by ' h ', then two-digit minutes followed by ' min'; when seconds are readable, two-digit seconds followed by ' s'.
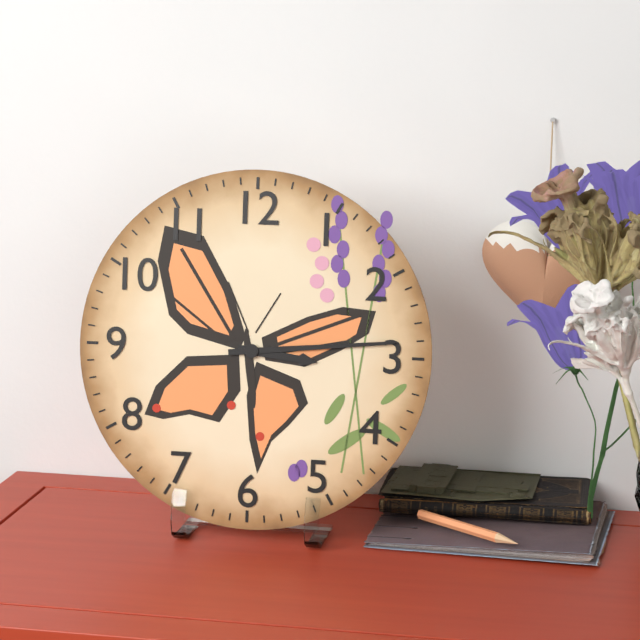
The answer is 3 h 14 min
